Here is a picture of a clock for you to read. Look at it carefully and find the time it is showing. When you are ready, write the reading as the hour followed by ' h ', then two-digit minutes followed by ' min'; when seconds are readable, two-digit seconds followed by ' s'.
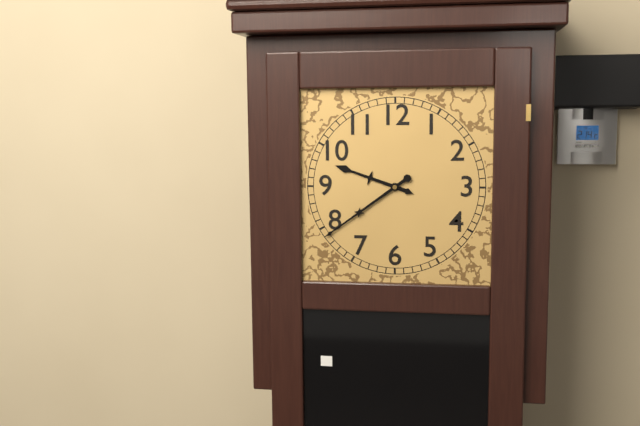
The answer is 9 h 39 min
